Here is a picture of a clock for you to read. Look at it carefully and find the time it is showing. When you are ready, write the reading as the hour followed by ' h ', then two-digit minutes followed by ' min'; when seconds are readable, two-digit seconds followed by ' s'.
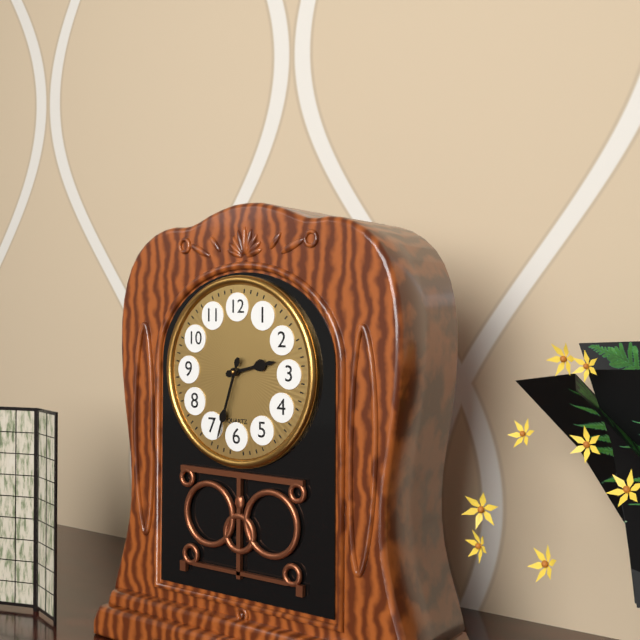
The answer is 2 h 33 min
